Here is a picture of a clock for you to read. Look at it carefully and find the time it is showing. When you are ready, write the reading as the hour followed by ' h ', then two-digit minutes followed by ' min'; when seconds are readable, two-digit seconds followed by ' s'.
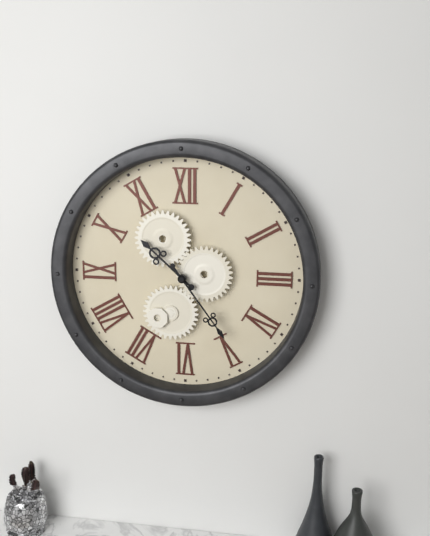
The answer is 10 h 24 min
